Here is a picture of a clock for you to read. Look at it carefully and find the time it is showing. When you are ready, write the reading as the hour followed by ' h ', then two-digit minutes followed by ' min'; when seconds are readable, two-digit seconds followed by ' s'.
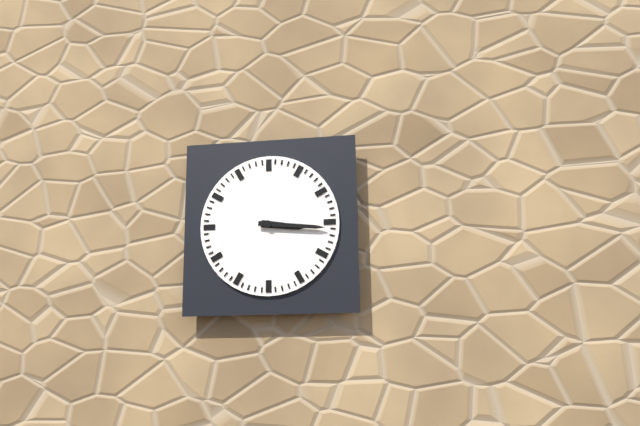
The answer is 3 h 16 min
